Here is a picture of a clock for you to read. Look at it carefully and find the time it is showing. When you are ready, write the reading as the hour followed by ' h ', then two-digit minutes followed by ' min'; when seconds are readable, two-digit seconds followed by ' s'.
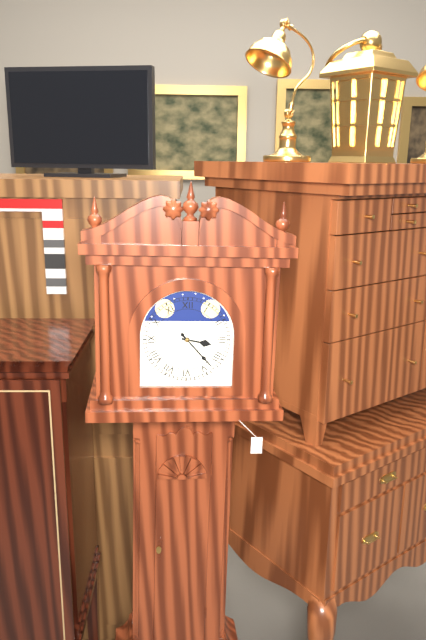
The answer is 3 h 23 min
